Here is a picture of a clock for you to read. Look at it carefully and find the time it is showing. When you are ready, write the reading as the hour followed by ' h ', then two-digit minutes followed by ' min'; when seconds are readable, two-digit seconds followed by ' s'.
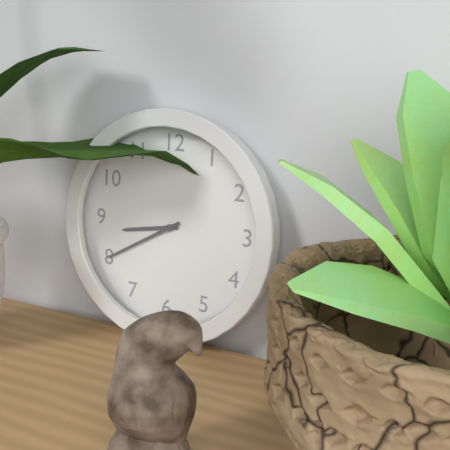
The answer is 8 h 40 min
